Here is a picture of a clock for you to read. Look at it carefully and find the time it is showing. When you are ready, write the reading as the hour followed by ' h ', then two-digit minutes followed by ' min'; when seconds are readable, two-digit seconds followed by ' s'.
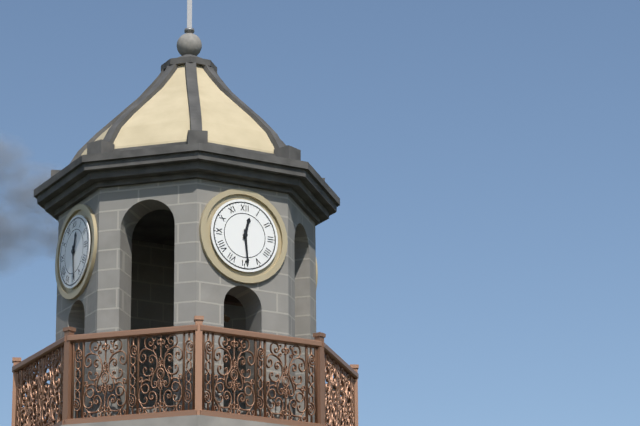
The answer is 12 h 29 min
